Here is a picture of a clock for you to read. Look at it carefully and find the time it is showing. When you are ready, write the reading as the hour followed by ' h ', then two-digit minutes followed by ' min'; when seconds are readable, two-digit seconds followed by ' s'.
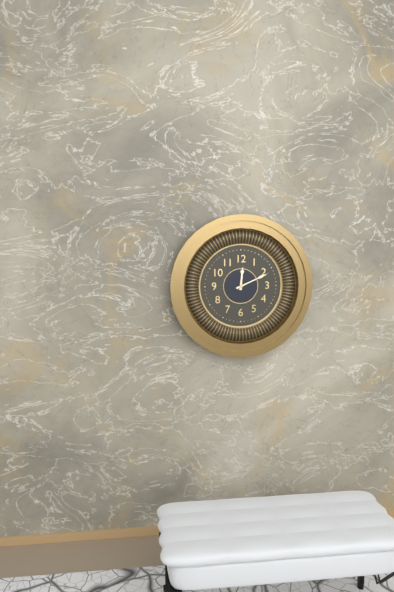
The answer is 12 h 11 min
